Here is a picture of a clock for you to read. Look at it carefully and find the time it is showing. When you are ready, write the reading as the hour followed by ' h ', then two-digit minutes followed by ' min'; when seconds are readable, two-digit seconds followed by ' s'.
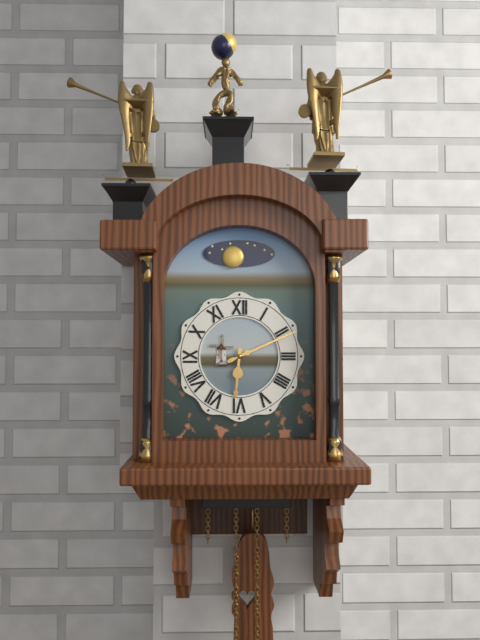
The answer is 6 h 11 min
